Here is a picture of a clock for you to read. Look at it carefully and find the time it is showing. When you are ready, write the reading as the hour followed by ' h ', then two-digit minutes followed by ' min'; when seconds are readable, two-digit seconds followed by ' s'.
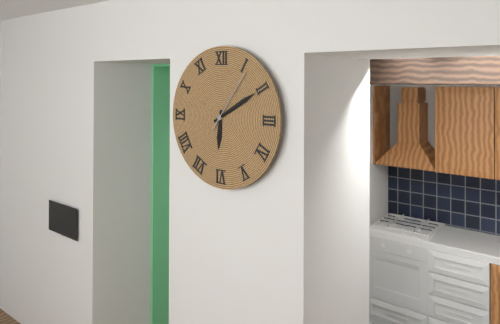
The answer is 6 h 10 min 06 s
